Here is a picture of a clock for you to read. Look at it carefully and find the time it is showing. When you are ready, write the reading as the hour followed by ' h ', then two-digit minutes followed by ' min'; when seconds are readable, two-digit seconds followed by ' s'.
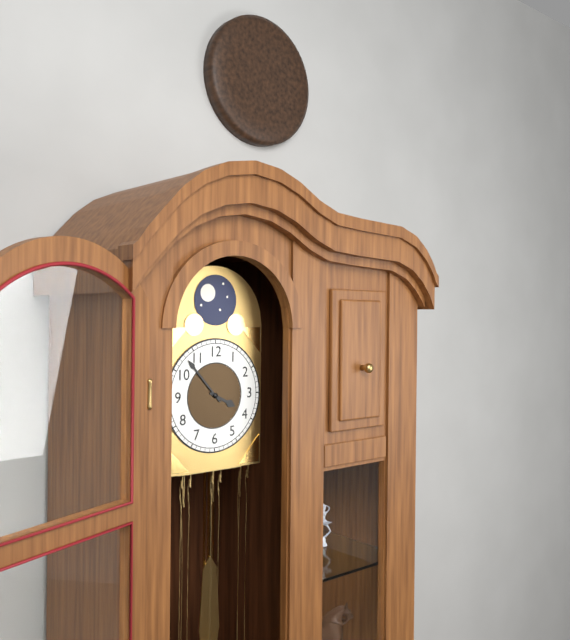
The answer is 3 h 53 min
